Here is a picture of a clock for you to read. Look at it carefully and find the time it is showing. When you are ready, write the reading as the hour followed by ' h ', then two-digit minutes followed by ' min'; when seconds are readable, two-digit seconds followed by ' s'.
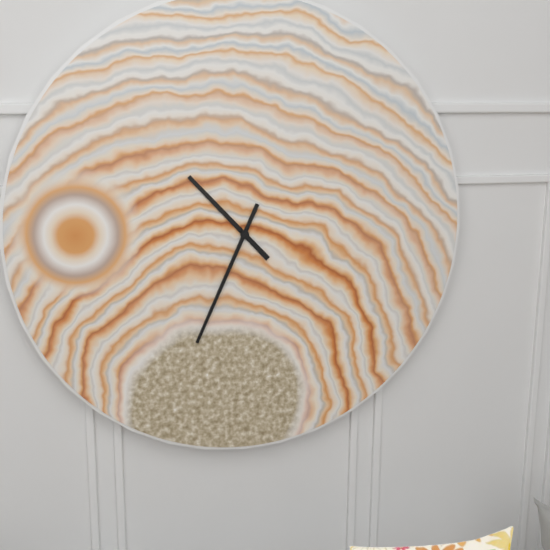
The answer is 10 h 34 min
